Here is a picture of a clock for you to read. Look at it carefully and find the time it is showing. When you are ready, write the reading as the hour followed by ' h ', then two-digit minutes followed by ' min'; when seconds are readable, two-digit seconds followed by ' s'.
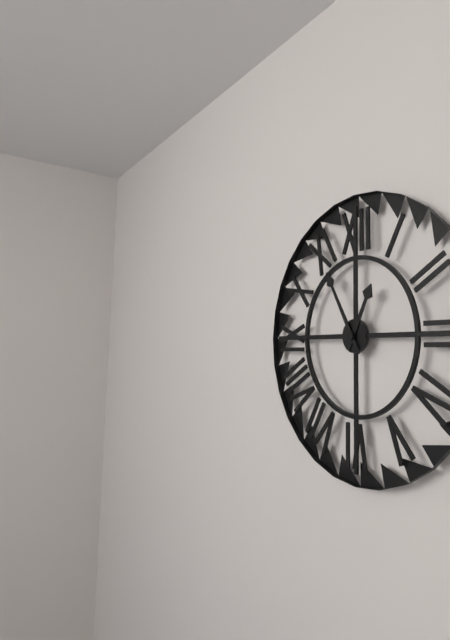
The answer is 12 h 55 min
